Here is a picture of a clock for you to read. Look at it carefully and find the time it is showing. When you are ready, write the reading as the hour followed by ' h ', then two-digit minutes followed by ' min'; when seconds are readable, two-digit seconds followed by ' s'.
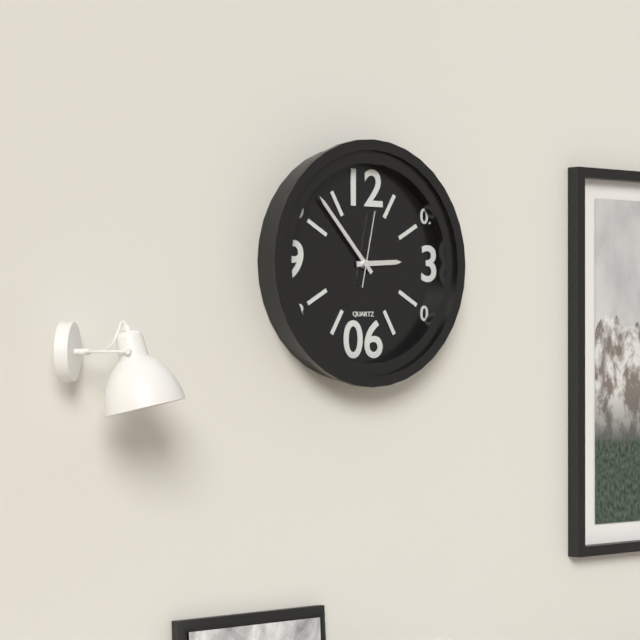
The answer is 2 h 53 min 02 s
